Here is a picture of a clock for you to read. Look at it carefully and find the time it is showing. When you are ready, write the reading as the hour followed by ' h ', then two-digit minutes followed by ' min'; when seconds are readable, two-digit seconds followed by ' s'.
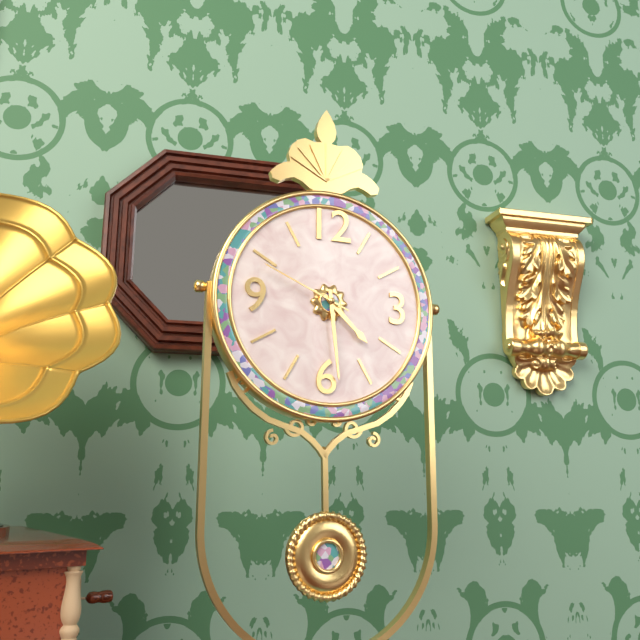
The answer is 4 h 29 min 49 s
